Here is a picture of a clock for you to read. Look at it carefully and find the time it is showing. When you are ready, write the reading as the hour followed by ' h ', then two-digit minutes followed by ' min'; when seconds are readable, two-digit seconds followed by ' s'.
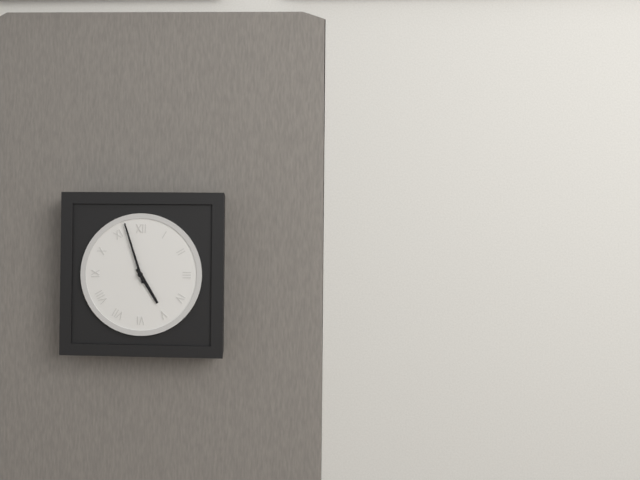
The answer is 4 h 57 min
